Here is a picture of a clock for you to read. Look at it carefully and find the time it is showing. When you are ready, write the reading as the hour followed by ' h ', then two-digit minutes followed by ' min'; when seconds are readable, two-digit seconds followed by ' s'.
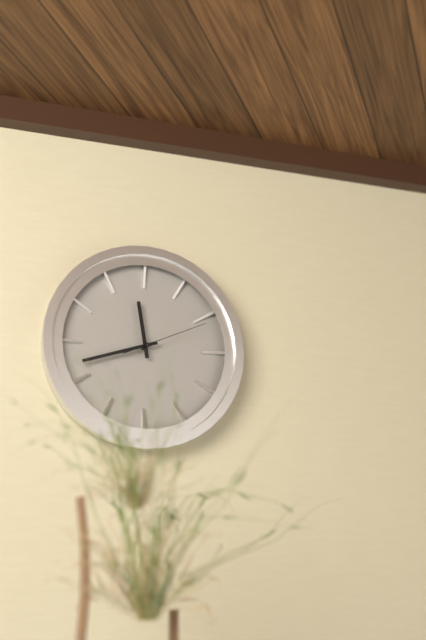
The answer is 11 h 42 min 11 s
